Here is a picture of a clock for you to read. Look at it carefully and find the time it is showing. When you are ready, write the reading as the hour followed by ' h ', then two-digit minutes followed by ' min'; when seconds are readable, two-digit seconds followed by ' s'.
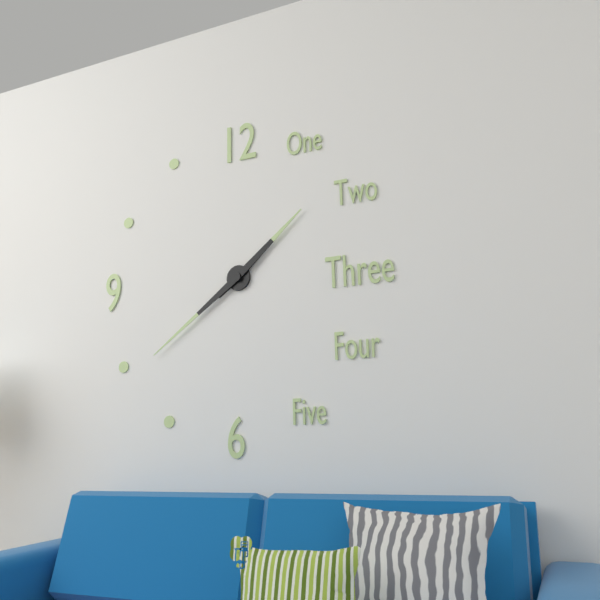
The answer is 1 h 39 min
